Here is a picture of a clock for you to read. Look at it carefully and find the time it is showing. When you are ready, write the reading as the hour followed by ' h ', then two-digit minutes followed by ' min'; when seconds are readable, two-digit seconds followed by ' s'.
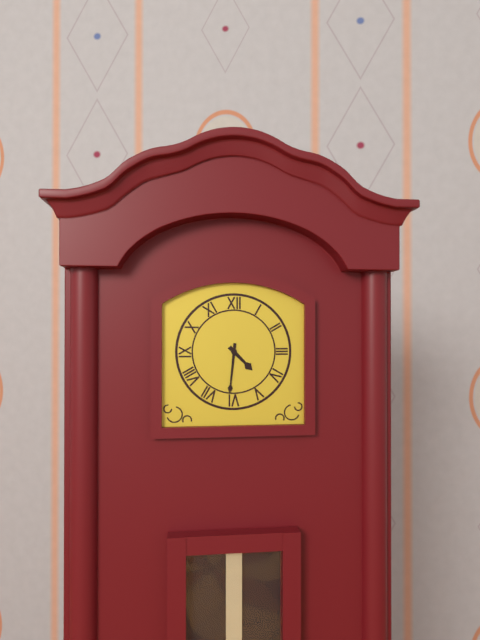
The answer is 4 h 31 min
